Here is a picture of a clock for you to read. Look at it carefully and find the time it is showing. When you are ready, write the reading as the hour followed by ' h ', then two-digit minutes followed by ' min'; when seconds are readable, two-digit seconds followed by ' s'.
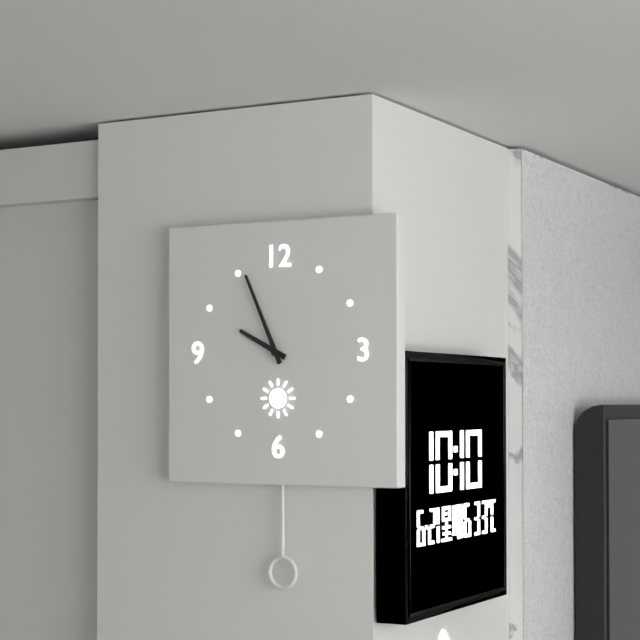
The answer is 9 h 56 min
